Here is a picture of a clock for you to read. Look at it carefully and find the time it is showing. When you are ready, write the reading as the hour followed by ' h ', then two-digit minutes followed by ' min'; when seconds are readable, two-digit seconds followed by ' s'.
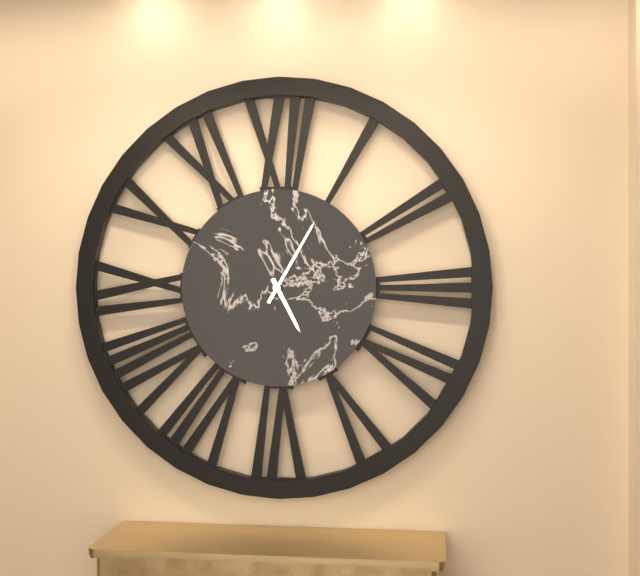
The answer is 5 h 05 min
